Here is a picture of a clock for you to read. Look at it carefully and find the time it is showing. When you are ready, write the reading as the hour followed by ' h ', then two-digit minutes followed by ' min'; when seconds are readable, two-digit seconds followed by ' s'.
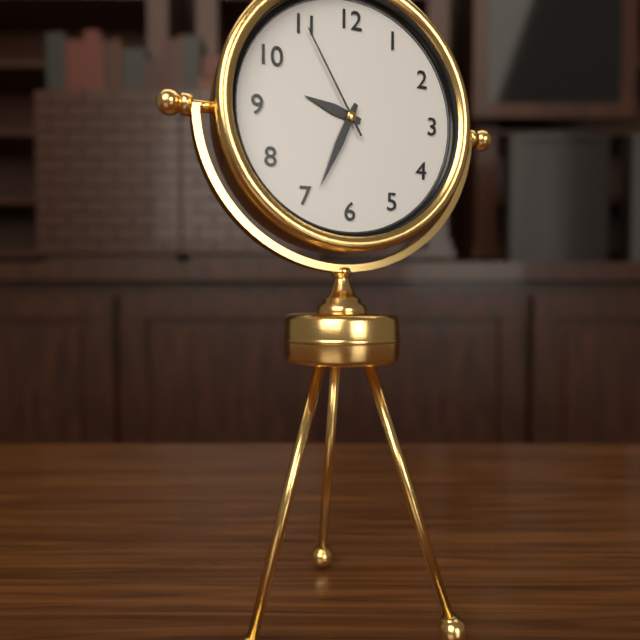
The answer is 9 h 34 min 55 s
